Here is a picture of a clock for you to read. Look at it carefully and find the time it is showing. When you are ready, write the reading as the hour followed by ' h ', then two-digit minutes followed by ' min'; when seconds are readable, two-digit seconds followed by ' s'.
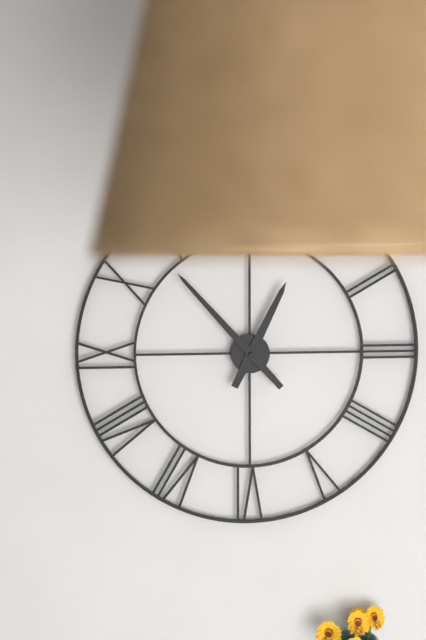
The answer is 12 h 53 min
